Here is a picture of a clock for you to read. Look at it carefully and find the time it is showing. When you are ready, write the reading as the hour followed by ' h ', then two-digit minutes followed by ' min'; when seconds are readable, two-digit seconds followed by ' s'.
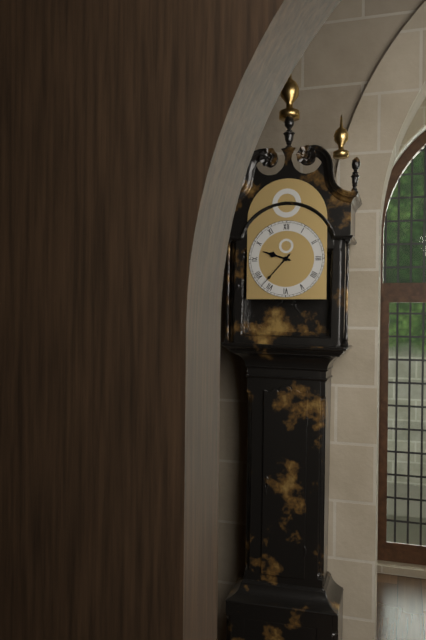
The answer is 9 h 37 min
